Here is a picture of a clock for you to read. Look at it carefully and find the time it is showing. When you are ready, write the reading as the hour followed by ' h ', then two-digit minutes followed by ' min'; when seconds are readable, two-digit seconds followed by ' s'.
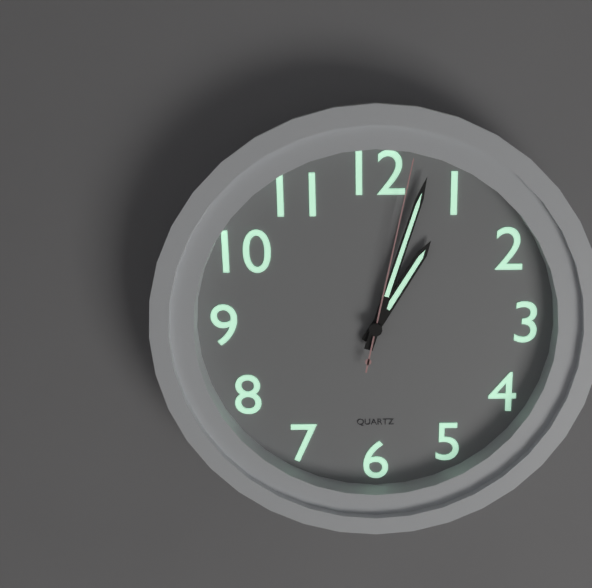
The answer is 1 h 03 min 02 s
